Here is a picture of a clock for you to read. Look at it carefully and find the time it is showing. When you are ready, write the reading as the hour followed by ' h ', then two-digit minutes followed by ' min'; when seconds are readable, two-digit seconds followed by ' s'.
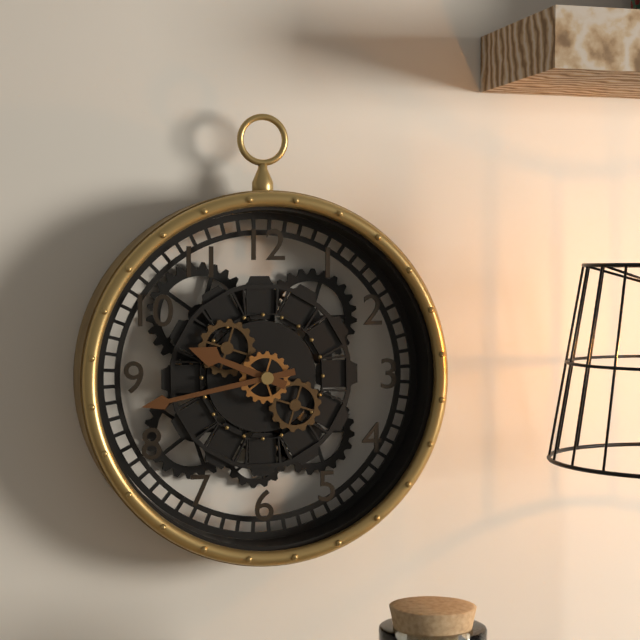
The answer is 9 h 43 min
